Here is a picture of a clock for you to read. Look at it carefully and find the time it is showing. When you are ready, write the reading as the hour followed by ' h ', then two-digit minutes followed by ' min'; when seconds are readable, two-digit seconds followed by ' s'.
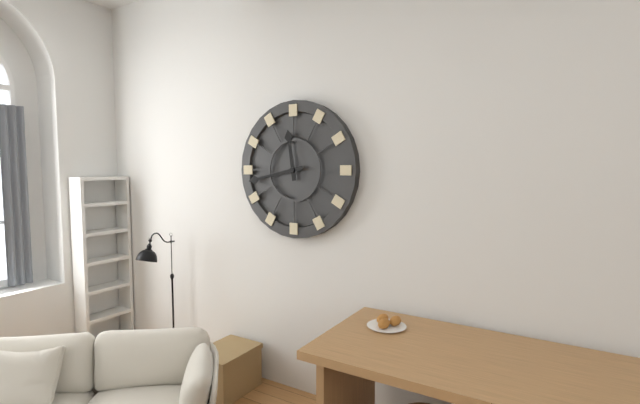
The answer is 11 h 43 min
